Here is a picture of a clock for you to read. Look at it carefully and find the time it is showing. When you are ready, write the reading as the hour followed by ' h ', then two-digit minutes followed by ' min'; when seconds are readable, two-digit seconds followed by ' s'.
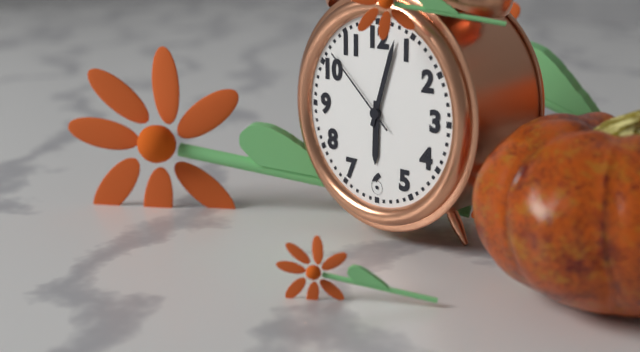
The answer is 6 h 03 min 52 s
